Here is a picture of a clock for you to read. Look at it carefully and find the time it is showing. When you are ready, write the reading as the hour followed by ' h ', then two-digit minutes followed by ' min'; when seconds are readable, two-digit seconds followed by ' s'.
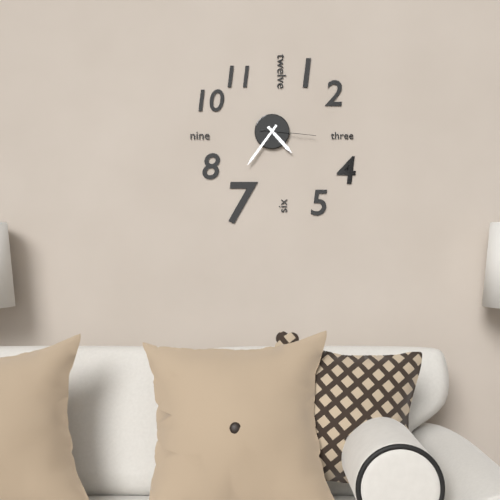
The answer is 4 h 36 min 16 s
